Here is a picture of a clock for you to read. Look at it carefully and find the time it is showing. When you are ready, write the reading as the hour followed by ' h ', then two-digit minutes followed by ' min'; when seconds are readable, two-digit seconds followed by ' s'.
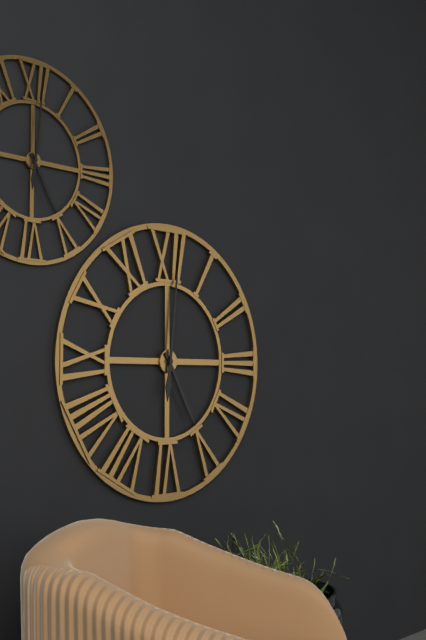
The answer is 5 h 01 min
